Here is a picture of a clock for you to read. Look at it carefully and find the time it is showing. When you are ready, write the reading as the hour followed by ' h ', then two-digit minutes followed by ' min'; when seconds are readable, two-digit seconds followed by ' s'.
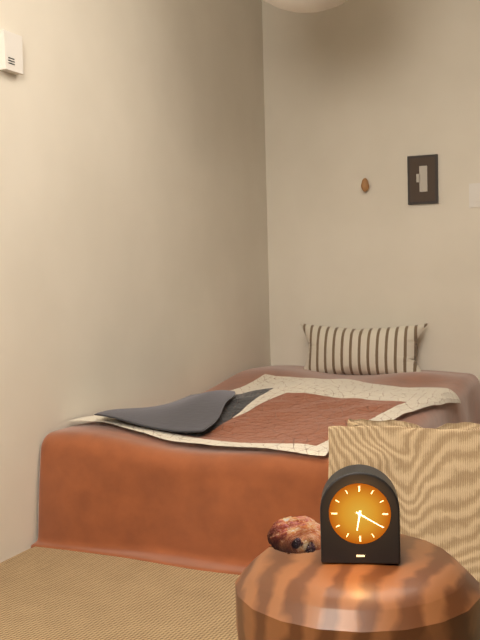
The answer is 6 h 20 min
